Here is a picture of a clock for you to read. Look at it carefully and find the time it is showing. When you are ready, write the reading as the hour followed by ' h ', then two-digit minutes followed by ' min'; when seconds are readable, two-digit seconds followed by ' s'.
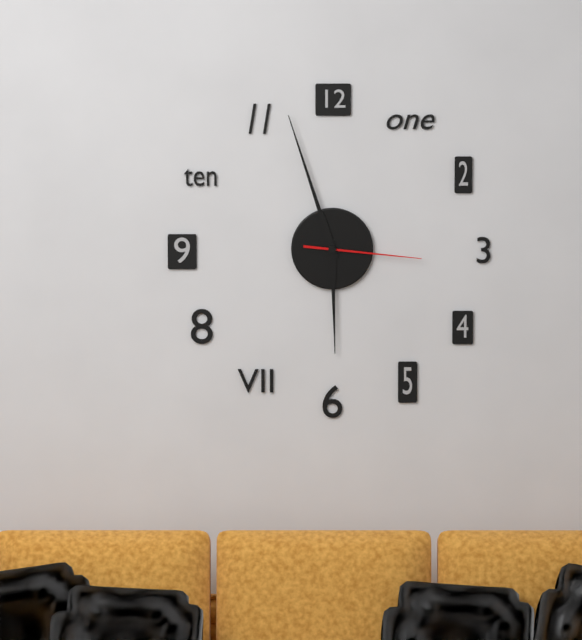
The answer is 5 h 57 min 16 s
